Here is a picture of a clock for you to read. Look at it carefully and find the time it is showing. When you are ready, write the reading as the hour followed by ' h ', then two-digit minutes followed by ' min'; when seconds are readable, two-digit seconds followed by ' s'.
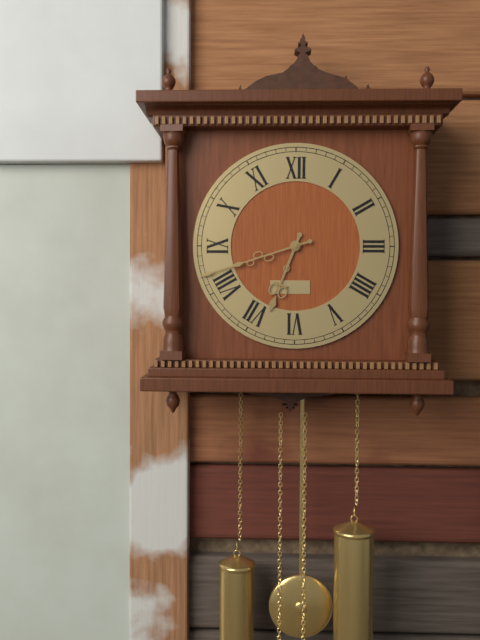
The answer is 6 h 42 min
